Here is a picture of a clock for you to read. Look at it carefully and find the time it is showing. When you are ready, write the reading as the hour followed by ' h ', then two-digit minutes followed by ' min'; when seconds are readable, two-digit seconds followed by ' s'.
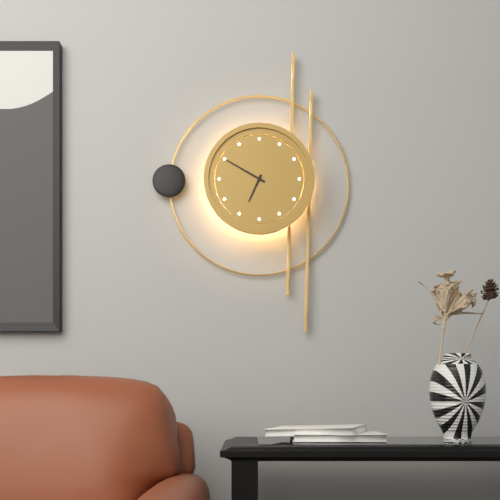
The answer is 6 h 50 min
